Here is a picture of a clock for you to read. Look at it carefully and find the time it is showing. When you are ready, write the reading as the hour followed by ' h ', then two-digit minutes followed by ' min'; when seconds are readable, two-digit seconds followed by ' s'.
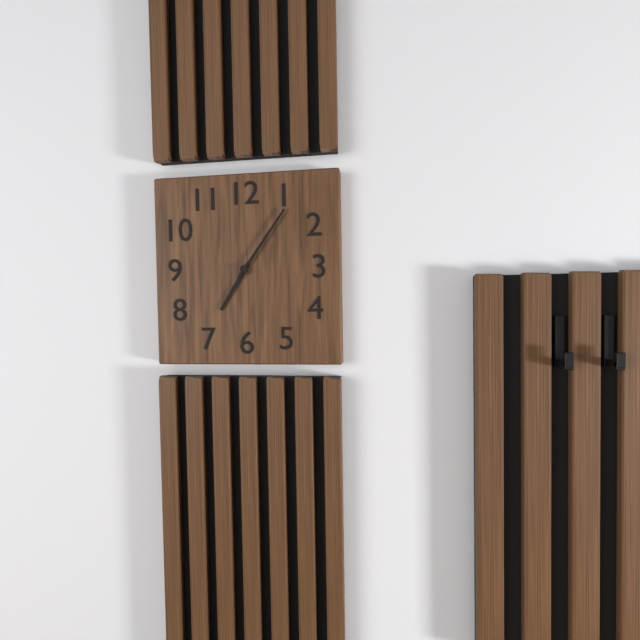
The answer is 7 h 06 min
